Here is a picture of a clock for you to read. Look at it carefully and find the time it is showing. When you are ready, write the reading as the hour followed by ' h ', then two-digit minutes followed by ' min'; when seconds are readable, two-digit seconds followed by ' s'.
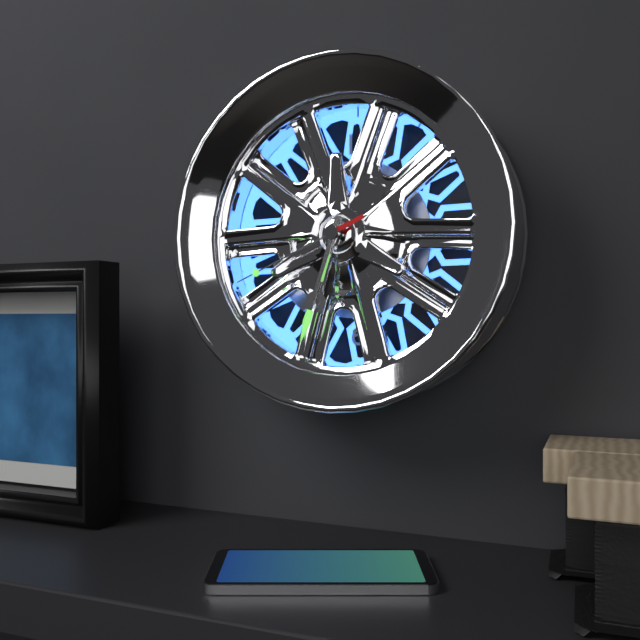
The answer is 6 h 33 min 41 s
